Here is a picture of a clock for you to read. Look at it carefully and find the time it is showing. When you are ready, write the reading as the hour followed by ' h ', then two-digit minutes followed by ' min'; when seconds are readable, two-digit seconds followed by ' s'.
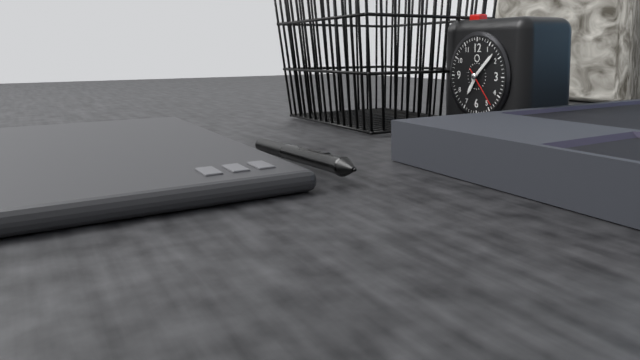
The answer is 7 h 08 min
